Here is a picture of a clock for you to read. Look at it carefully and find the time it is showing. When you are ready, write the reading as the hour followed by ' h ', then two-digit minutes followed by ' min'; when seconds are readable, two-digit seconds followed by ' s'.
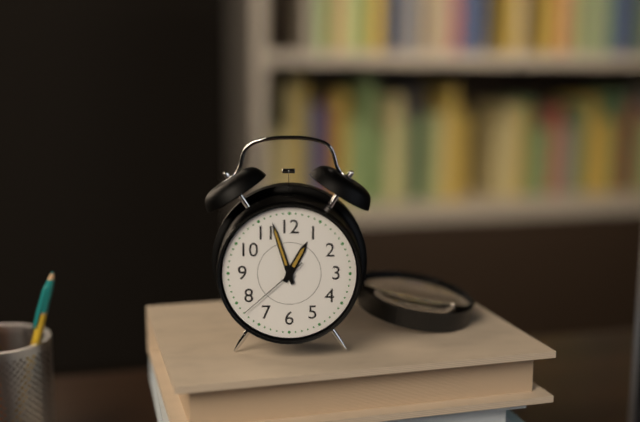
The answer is 12 h 57 min 38 s
